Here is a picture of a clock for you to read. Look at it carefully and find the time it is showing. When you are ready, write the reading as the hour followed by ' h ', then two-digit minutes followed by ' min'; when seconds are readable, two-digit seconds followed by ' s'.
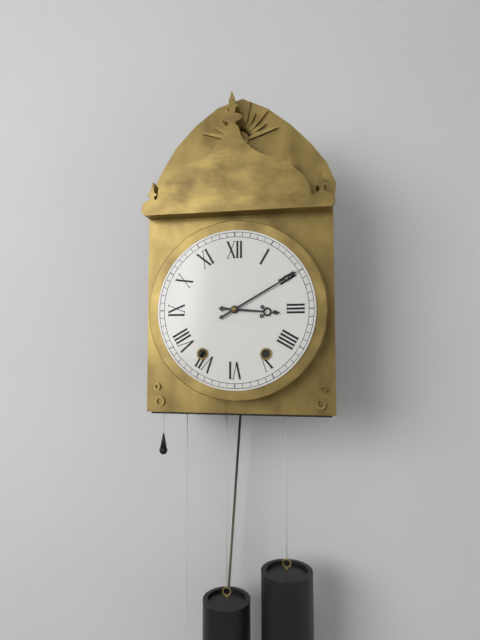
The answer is 3 h 10 min
